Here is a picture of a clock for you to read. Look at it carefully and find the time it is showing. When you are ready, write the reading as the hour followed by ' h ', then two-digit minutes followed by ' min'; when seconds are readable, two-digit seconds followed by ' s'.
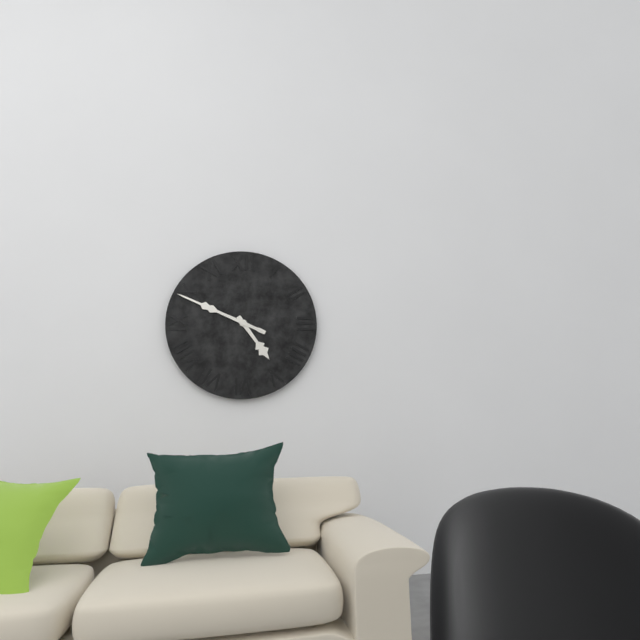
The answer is 4 h 49 min
